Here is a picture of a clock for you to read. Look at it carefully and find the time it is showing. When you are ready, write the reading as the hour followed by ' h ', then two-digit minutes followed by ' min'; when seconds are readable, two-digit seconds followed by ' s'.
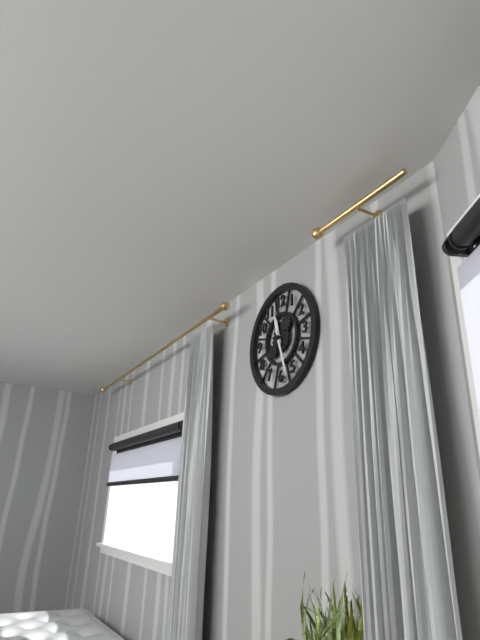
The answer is 11 h 27 min
